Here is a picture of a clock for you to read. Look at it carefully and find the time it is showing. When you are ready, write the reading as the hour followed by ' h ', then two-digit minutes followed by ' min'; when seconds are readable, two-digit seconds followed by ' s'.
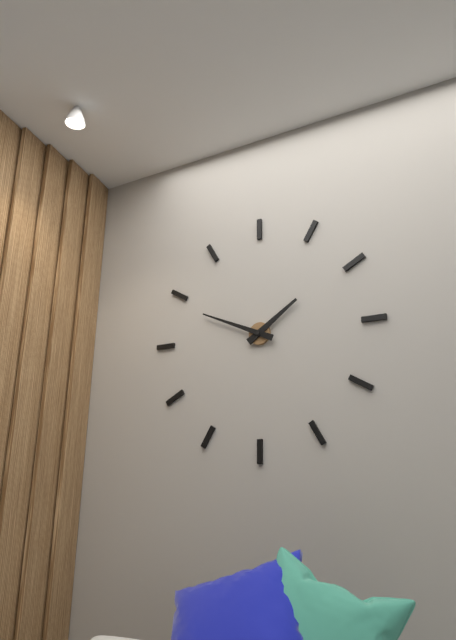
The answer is 1 h 49 min
